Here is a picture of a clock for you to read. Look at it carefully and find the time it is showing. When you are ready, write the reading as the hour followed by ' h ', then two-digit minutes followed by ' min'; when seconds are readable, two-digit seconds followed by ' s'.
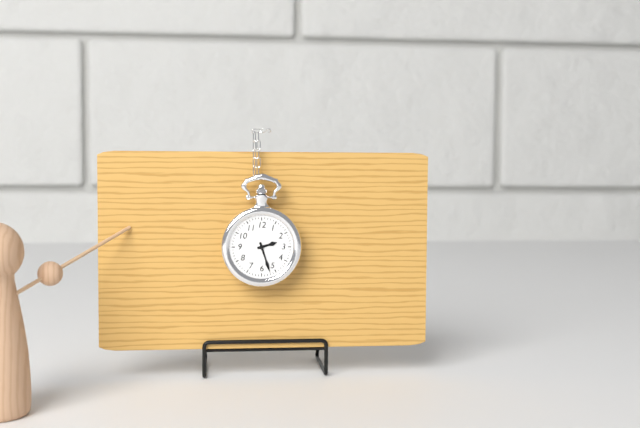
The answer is 2 h 27 min
